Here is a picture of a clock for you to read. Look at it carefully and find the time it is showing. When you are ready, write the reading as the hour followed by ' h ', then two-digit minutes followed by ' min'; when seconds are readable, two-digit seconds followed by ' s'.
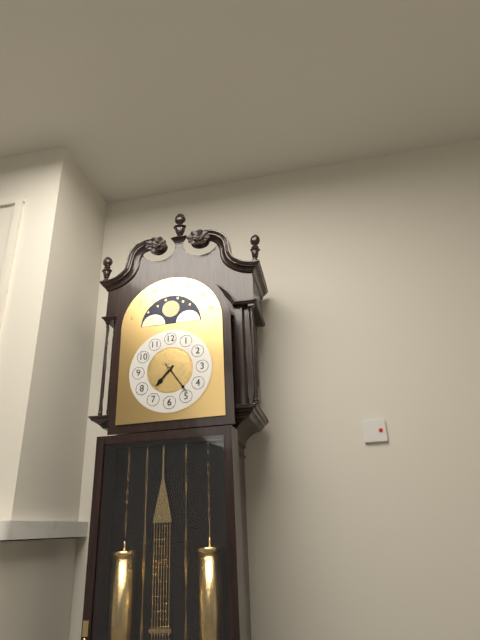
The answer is 7 h 24 min
